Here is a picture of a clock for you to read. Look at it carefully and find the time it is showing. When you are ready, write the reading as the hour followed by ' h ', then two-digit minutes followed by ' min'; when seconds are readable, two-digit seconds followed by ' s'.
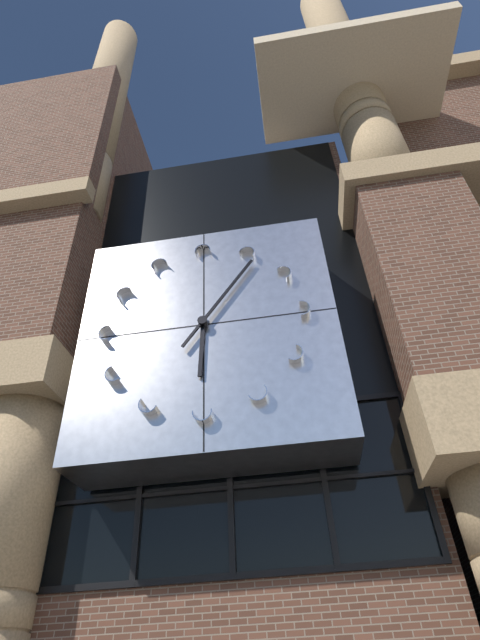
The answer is 6 h 06 min
